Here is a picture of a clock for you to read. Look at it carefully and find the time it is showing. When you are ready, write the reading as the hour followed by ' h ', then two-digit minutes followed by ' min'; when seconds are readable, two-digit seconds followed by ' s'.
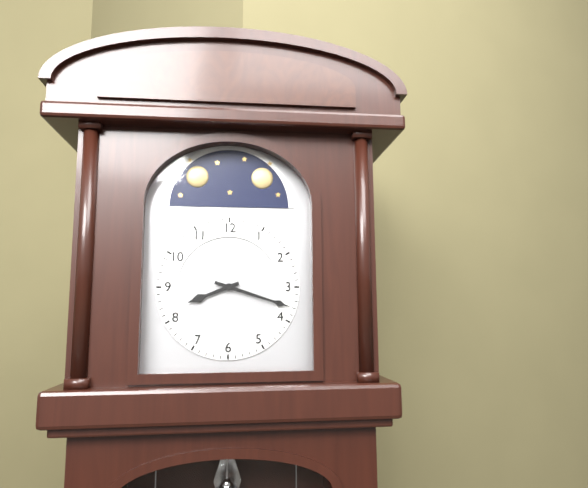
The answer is 8 h 18 min
